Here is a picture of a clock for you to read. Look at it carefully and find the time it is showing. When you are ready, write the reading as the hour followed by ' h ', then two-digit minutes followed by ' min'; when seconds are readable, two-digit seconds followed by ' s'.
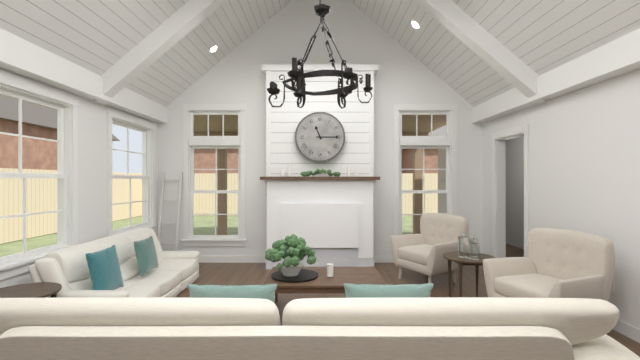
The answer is 11 h 15 min
